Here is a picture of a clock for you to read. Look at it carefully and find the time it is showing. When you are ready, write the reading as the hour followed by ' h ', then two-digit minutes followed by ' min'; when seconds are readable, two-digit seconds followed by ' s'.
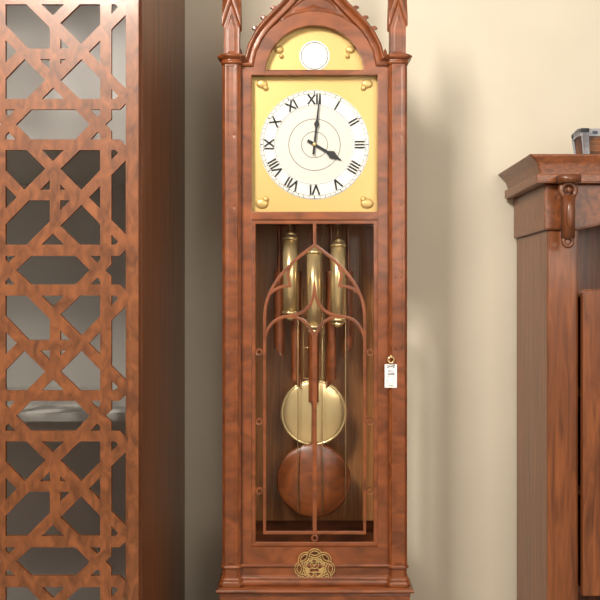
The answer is 4 h 01 min
